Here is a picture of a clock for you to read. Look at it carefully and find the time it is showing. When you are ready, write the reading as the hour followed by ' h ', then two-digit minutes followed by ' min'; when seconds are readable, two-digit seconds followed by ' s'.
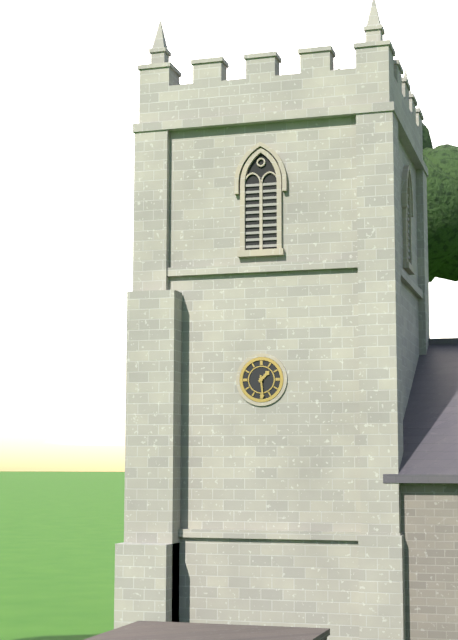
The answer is 1 h 29 min
